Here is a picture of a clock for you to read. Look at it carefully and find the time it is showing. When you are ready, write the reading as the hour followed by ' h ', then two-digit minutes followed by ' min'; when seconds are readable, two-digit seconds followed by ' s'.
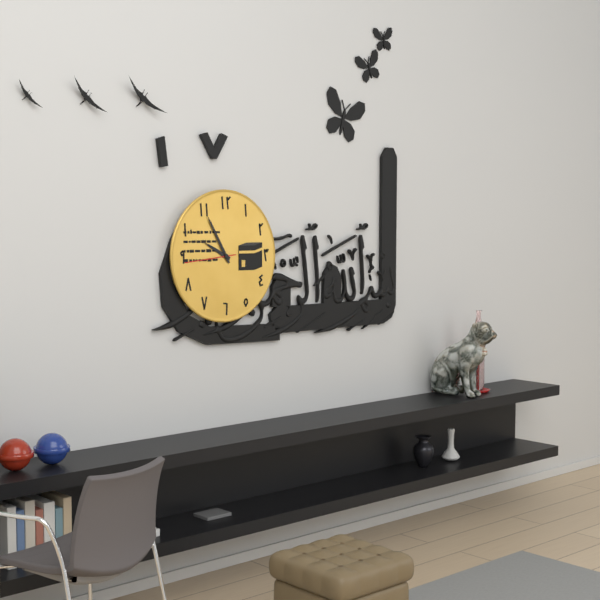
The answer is 9 h 55 min
